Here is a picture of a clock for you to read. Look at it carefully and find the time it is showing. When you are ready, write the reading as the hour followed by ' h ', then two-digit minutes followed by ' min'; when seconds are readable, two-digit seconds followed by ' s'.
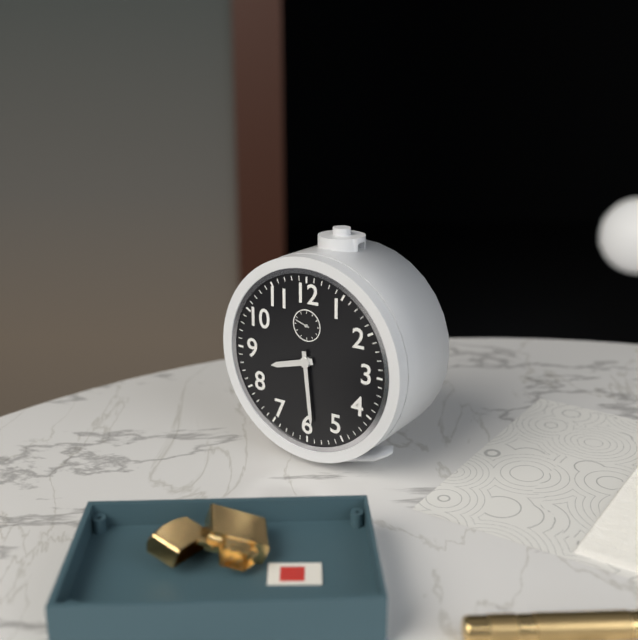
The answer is 8 h 29 min
